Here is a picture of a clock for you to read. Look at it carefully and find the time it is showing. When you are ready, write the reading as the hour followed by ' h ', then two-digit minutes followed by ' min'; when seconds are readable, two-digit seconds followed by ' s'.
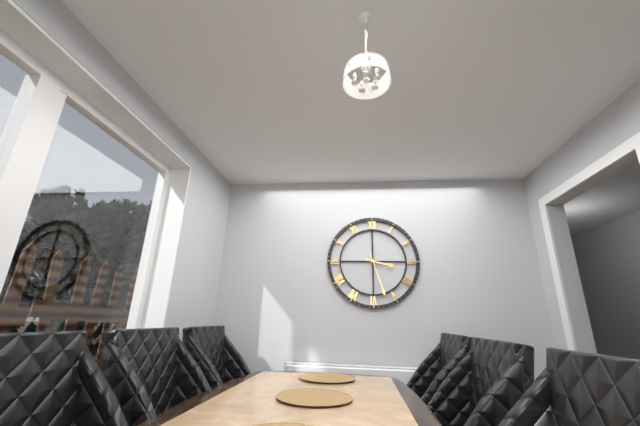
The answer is 3 h 27 min
